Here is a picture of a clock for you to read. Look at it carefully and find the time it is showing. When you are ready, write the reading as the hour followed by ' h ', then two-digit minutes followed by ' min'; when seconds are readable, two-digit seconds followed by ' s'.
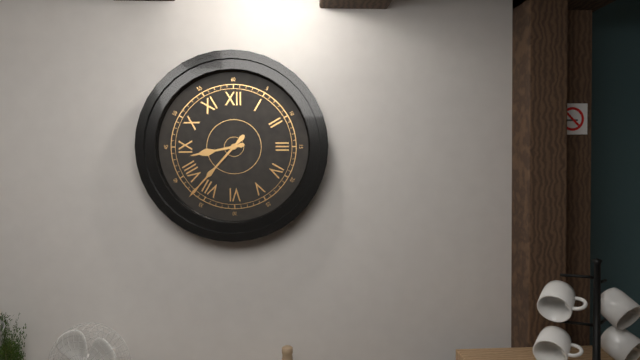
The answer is 8 h 37 min
